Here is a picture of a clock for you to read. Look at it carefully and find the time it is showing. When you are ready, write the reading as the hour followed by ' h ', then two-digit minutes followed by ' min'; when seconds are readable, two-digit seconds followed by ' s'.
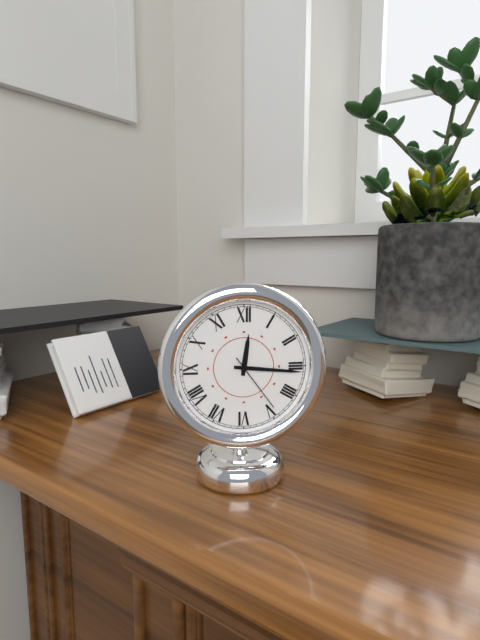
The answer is 12 h 16 min 24 s
